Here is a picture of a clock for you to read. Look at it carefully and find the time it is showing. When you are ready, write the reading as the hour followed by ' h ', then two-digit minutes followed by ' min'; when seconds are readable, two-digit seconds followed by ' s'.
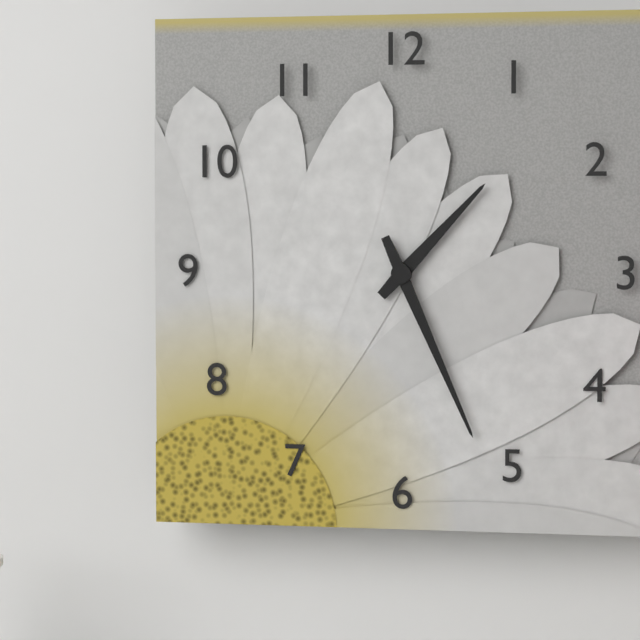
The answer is 1 h 26 min
